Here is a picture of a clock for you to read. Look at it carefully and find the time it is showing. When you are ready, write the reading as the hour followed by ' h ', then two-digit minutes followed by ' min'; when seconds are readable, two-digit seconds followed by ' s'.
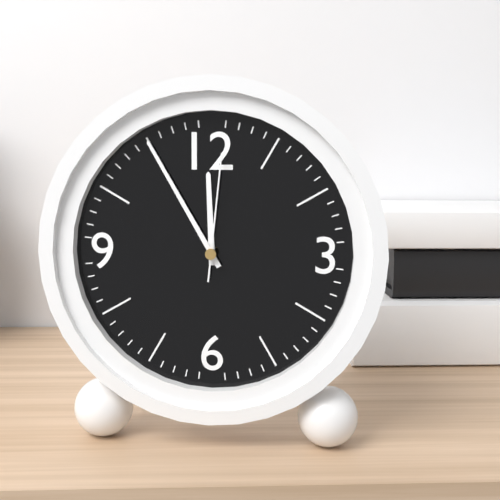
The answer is 11 h 55 min 01 s
